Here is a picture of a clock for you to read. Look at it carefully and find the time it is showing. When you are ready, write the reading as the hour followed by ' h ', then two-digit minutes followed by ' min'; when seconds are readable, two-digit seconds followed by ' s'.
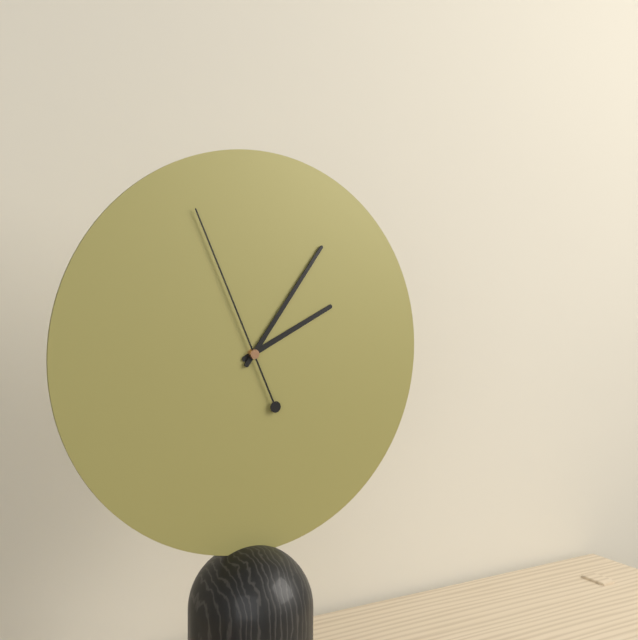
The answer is 2 h 06 min 56 s
